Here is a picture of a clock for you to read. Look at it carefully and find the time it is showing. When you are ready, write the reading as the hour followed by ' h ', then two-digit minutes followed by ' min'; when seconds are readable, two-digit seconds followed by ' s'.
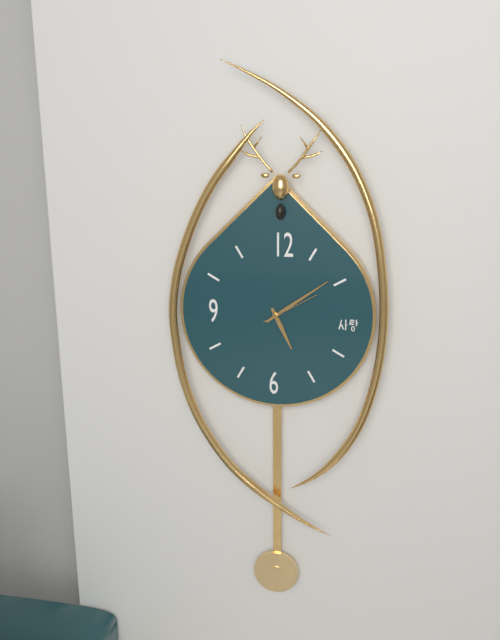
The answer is 5 h 09 min 10 s
